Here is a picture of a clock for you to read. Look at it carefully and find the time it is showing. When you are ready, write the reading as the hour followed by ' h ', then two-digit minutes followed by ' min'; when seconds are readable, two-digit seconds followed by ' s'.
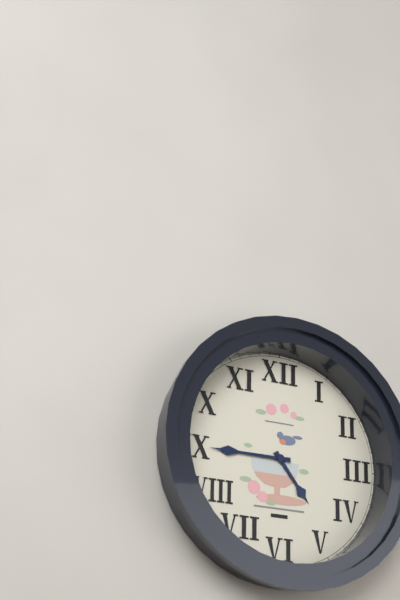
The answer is 4 h 45 min
